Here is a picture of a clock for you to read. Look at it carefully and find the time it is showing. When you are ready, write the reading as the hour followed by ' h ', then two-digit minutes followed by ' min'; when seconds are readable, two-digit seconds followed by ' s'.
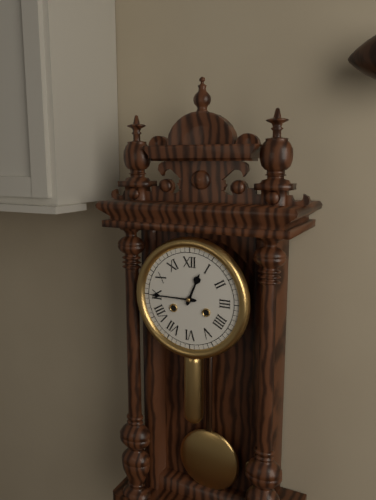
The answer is 12 h 45 min
